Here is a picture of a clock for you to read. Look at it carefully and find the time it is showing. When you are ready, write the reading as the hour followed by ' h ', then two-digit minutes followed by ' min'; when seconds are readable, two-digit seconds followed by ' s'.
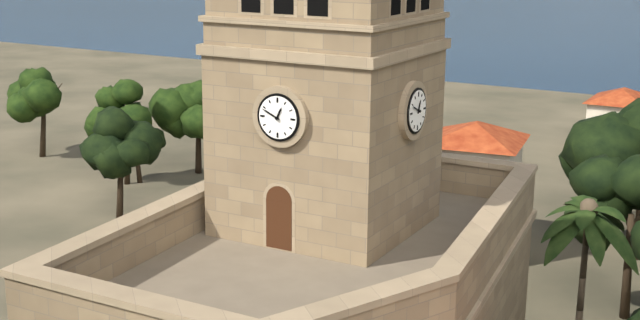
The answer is 12 h 49 min
